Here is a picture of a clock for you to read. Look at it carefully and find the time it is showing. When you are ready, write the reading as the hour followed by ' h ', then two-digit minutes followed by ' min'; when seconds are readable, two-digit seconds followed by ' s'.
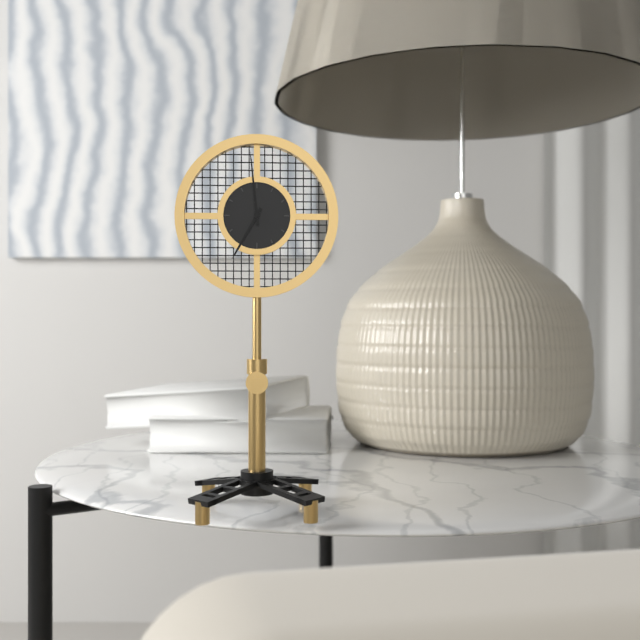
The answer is 6 h 59 min
